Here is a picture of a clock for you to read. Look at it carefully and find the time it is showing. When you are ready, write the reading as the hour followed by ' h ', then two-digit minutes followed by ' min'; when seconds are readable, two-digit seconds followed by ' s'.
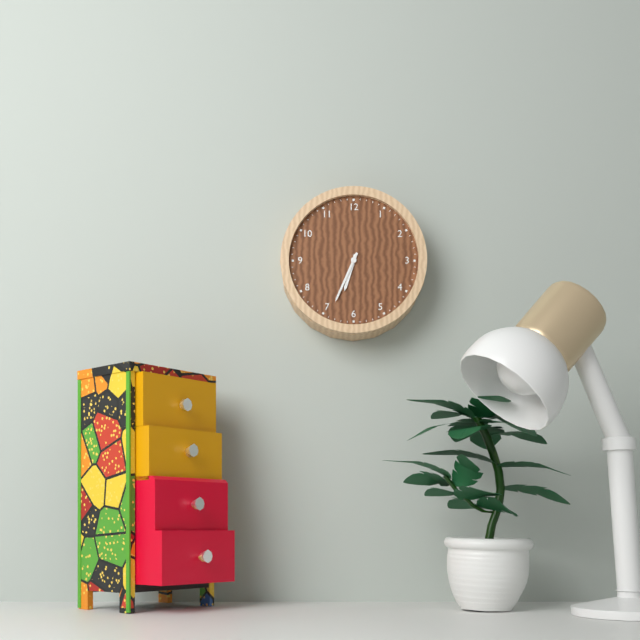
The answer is 6 h 34 min
